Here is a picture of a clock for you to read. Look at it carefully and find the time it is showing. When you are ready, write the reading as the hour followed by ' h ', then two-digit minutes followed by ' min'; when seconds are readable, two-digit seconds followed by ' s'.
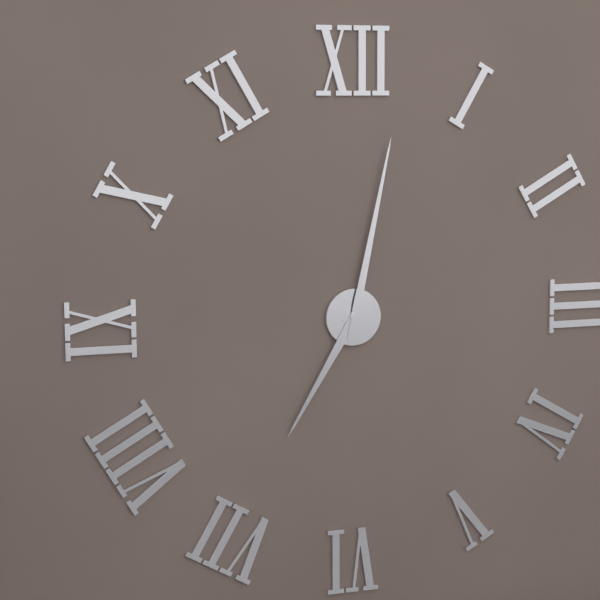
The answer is 7 h 02 min
